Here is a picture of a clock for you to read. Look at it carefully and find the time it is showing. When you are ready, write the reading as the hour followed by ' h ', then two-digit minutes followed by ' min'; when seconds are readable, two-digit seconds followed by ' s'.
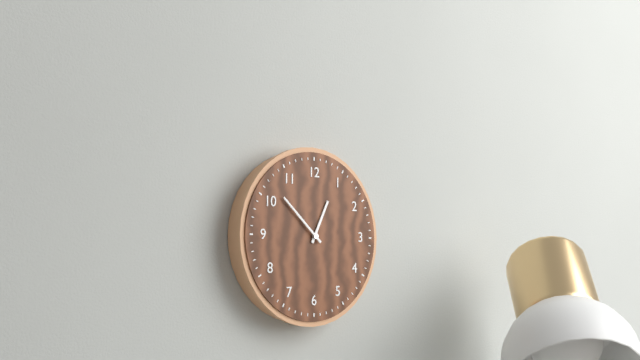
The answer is 12 h 52 min
